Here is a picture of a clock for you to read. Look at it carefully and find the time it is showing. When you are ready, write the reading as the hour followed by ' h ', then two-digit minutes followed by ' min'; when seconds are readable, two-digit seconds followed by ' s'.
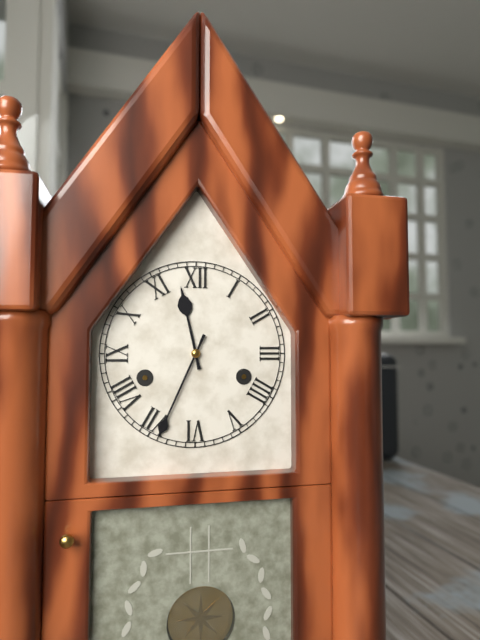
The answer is 11 h 34 min
